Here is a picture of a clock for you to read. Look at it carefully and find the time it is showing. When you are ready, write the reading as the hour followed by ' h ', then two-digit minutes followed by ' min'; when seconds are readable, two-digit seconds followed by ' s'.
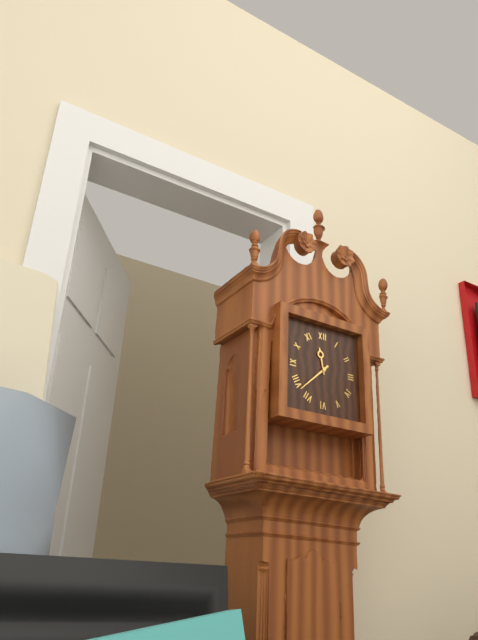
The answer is 11 h 38 min
